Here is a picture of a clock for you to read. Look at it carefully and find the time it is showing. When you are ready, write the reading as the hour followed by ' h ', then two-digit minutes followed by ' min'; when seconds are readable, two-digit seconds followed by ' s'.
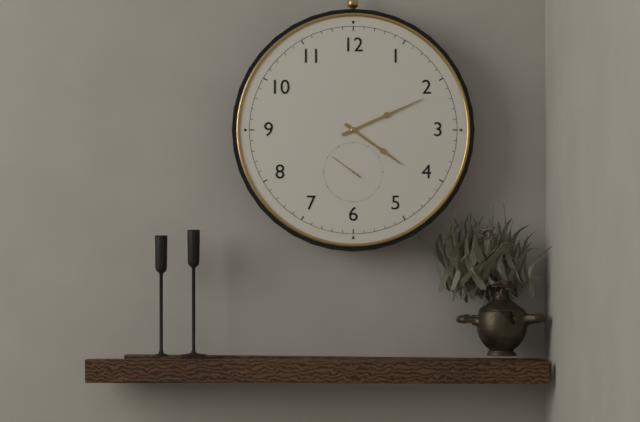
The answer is 4 h 11 min
